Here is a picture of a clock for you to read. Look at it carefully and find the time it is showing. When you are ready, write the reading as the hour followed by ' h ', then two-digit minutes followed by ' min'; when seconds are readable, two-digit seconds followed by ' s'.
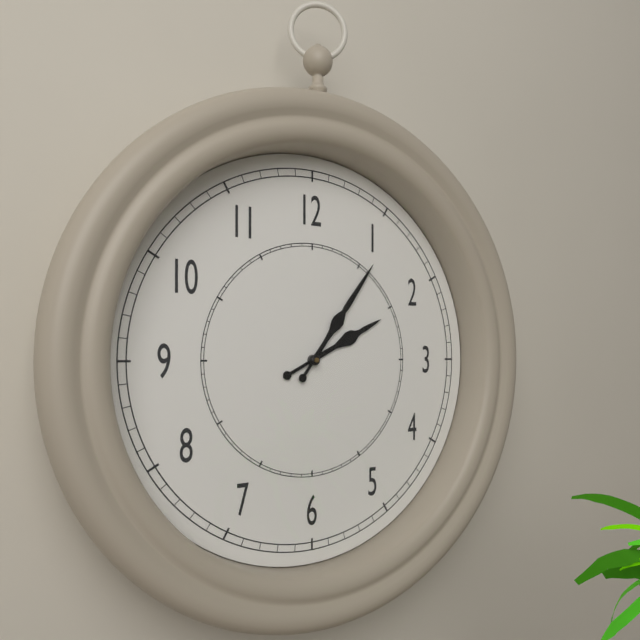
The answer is 2 h 06 min
